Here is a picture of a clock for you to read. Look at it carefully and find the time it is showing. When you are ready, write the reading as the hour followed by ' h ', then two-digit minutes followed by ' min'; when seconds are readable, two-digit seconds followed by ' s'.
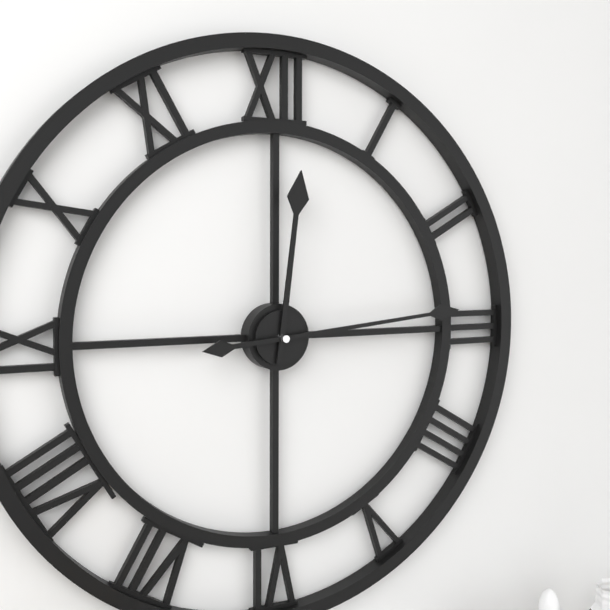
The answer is 12 h 14 min
